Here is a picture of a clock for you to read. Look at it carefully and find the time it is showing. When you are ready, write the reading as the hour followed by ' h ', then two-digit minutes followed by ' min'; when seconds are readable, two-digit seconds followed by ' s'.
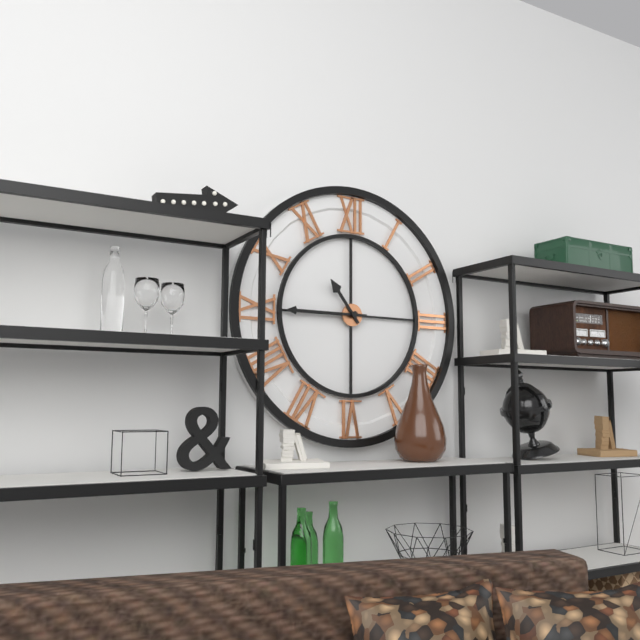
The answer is 10 h 45 min
